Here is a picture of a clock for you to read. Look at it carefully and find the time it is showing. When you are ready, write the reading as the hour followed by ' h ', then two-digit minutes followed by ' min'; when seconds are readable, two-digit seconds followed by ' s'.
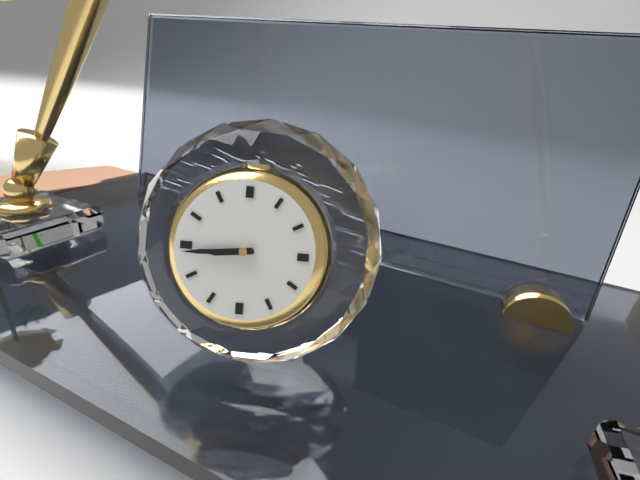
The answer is 8 h 44 min
